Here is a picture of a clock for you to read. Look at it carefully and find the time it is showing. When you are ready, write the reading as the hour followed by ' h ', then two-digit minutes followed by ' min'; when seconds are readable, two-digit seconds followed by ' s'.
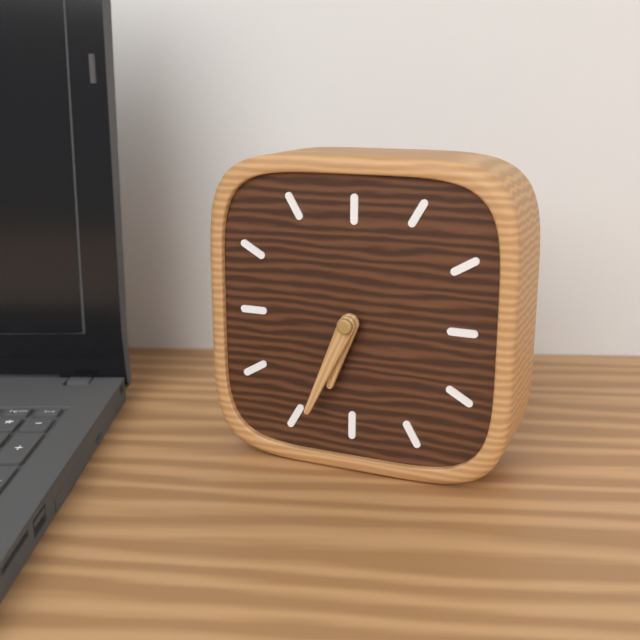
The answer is 6 h 34 min
